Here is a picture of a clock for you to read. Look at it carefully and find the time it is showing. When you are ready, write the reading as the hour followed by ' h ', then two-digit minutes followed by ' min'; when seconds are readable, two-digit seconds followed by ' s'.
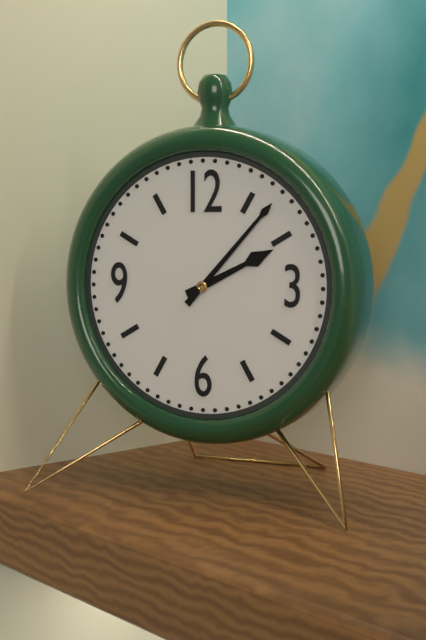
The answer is 2 h 07 min
